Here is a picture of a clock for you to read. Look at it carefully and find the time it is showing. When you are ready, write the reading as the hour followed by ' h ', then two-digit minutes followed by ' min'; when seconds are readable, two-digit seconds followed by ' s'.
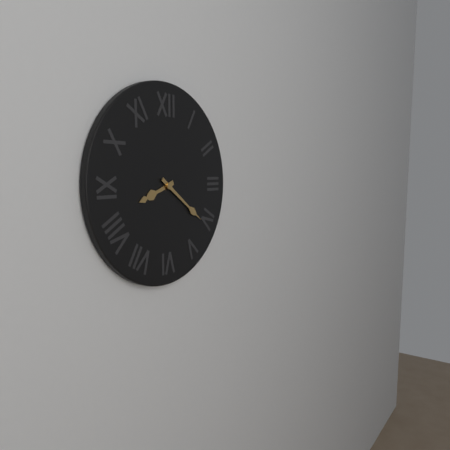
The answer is 8 h 21 min
